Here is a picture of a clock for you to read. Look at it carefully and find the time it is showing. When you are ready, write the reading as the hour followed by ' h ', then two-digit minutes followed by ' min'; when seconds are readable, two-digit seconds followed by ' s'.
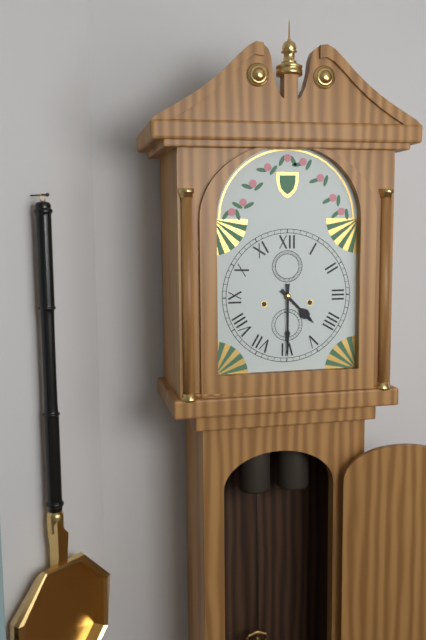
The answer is 4 h 30 min
